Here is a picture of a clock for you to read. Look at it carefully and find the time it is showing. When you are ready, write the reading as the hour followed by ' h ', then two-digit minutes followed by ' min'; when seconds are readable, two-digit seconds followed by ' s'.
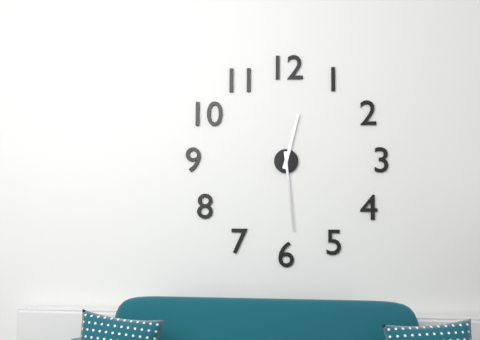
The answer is 12 h 29 min
